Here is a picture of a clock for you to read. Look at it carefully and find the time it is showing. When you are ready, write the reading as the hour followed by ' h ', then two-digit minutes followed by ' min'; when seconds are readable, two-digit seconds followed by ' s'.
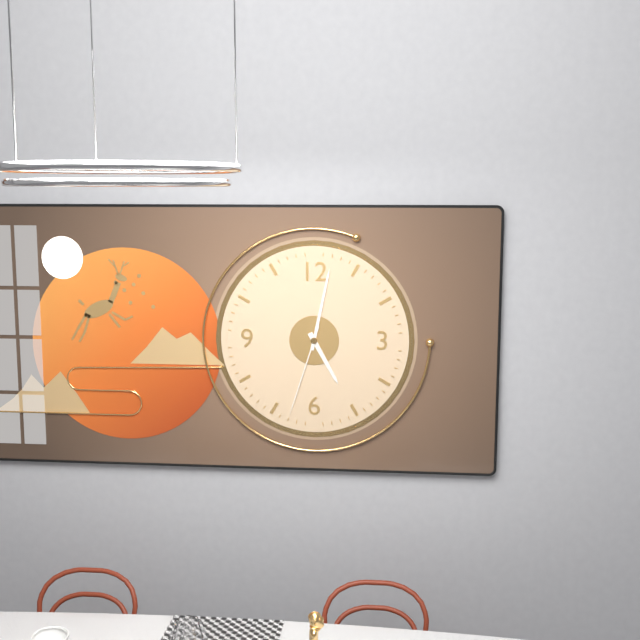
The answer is 5 h 02 min 33 s
